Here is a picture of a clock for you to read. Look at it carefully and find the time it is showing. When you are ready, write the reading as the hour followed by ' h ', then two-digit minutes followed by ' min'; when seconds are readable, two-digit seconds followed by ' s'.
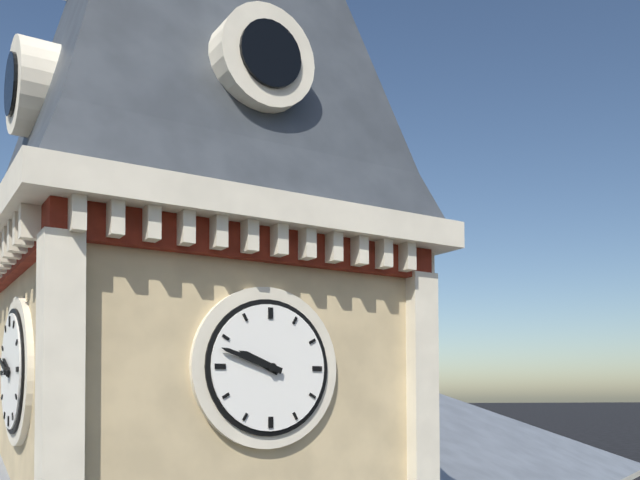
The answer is 9 h 48 min
